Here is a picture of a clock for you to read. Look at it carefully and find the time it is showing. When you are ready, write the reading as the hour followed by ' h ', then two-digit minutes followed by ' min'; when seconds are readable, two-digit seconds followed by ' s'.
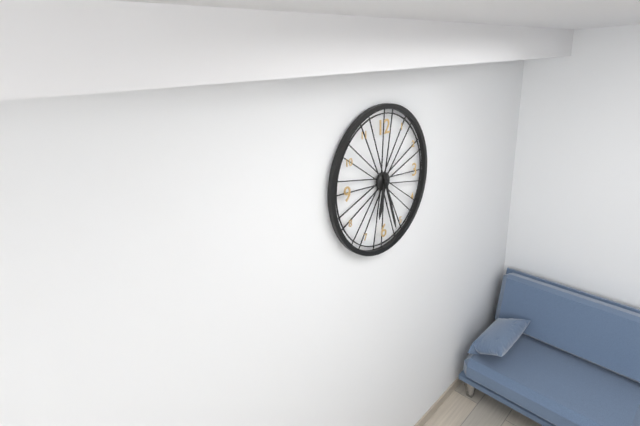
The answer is 6 h 27 min
